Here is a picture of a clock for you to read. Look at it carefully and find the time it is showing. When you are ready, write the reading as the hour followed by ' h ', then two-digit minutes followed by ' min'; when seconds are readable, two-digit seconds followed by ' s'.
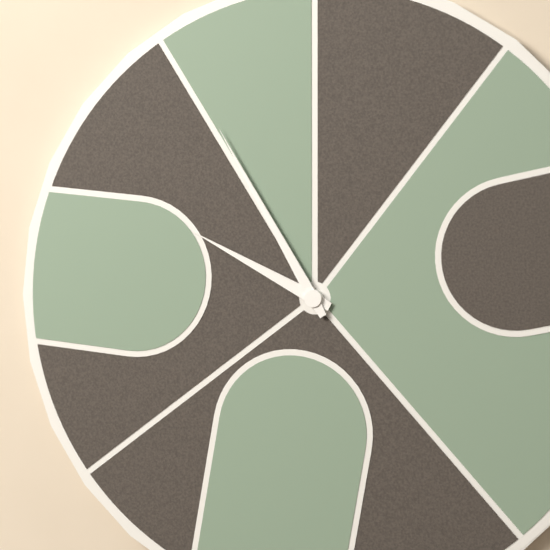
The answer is 9 h 55 min
